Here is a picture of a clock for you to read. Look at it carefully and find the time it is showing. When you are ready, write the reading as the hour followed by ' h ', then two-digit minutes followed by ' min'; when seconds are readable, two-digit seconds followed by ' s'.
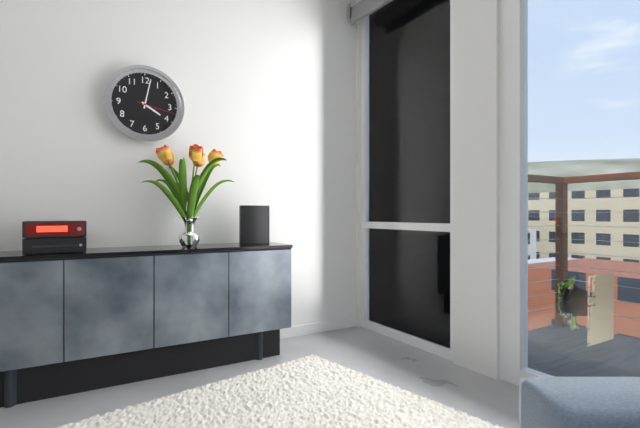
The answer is 4 h 02 min
